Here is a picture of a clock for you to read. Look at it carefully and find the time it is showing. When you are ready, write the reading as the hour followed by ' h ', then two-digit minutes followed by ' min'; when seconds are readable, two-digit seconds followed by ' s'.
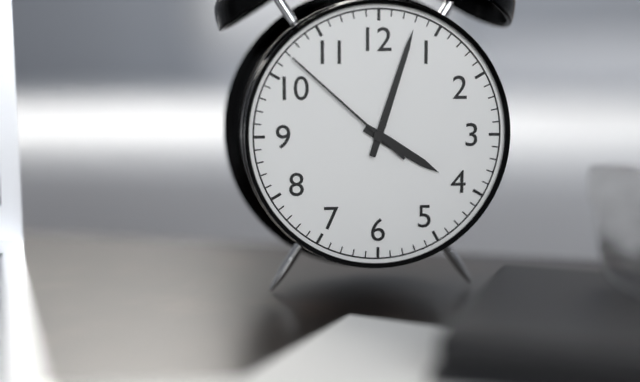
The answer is 4 h 03 min 52 s
